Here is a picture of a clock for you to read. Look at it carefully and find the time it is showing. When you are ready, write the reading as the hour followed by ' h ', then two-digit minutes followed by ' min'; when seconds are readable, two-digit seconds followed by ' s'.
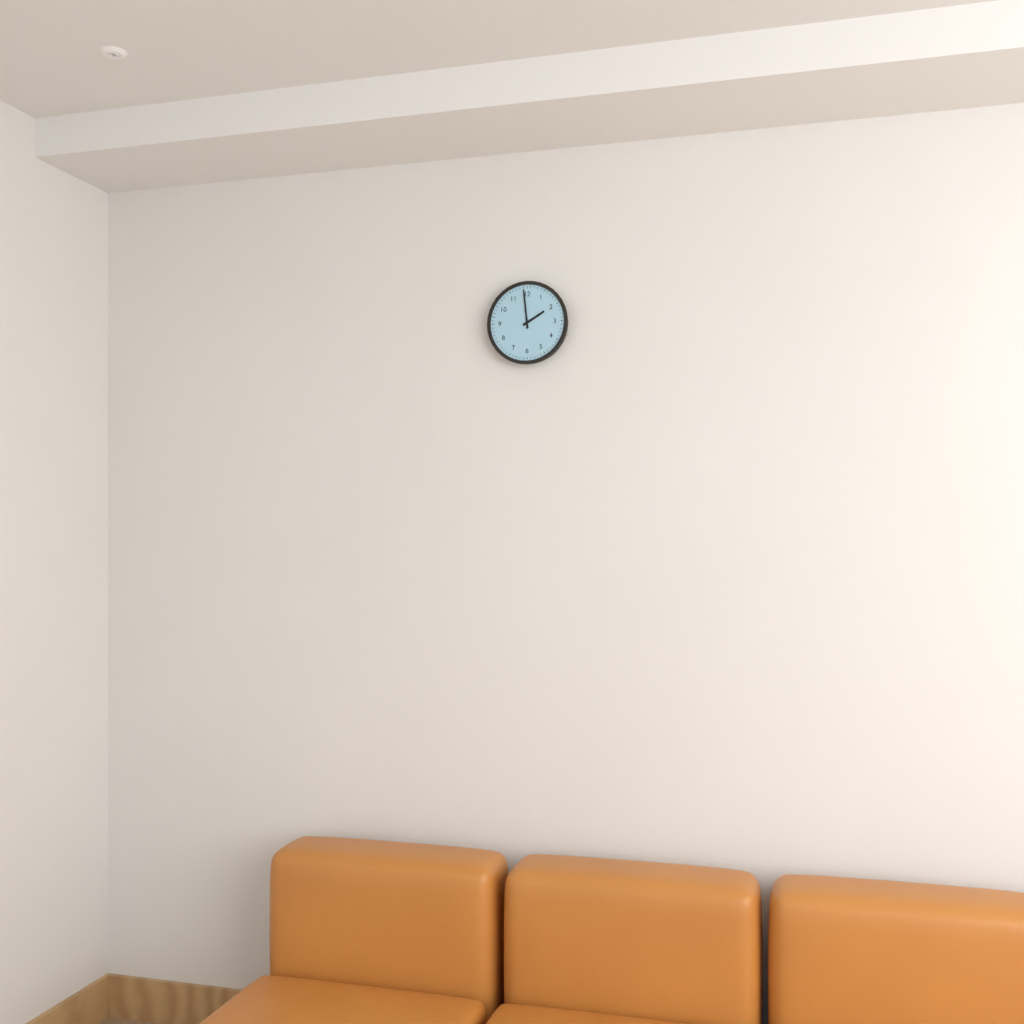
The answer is 1 h 59 min
